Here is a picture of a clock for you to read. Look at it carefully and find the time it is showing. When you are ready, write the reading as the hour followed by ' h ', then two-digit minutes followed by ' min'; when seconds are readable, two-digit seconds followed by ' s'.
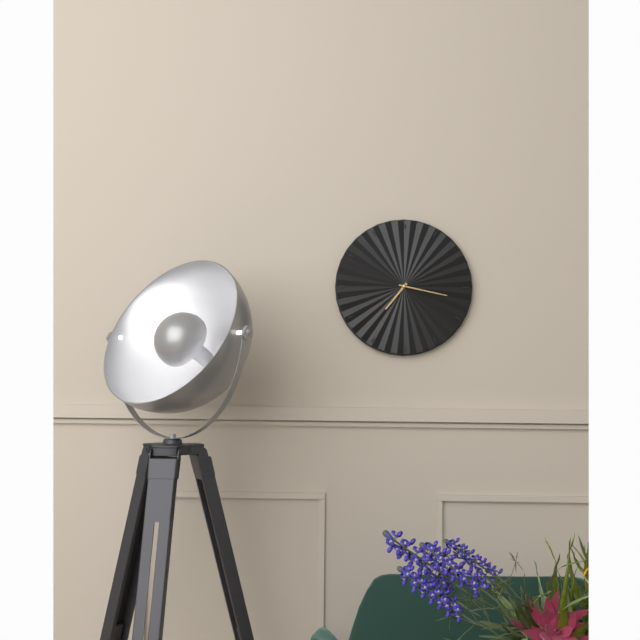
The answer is 7 h 17 min
